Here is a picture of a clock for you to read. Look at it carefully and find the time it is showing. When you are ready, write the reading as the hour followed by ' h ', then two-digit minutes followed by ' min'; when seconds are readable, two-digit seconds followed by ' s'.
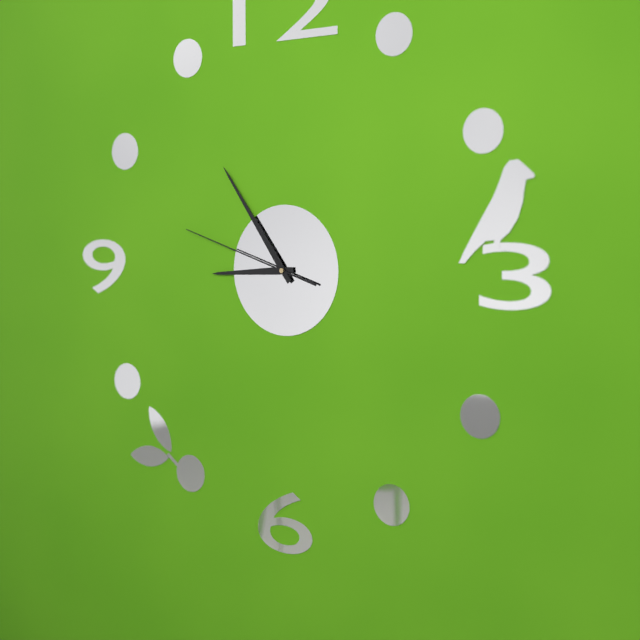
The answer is 8 h 54 min 48 s
